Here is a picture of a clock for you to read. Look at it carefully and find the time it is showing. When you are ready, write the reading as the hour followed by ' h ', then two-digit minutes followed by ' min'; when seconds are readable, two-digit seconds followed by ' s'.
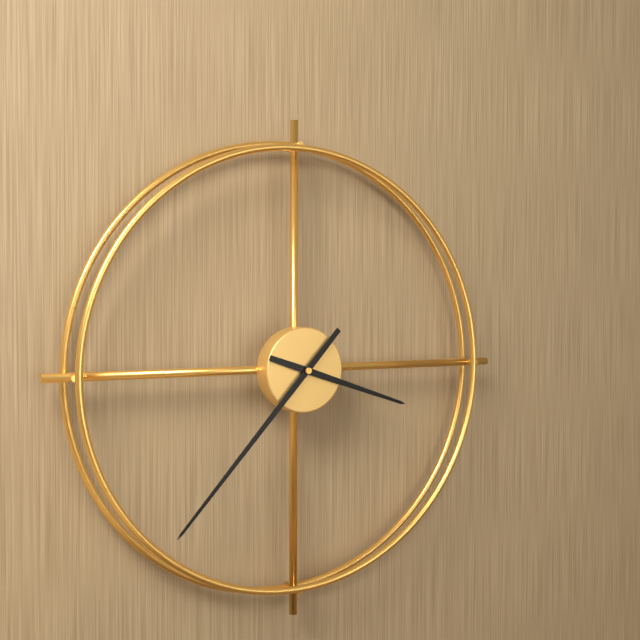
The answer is 3 h 37 min
